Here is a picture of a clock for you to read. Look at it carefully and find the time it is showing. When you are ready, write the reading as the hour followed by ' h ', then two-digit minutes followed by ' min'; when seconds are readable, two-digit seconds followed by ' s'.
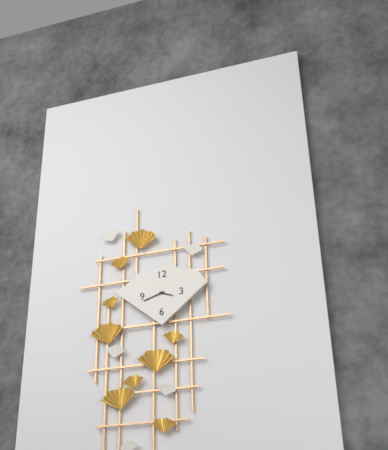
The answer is 3 h 42 min
